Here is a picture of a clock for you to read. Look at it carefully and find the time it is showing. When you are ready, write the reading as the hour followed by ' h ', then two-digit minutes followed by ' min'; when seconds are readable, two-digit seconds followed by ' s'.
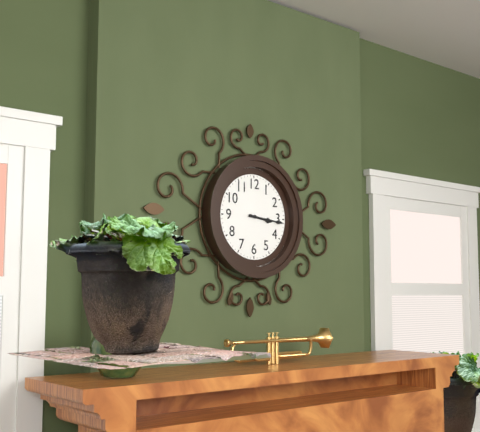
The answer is 3 h 16 min
